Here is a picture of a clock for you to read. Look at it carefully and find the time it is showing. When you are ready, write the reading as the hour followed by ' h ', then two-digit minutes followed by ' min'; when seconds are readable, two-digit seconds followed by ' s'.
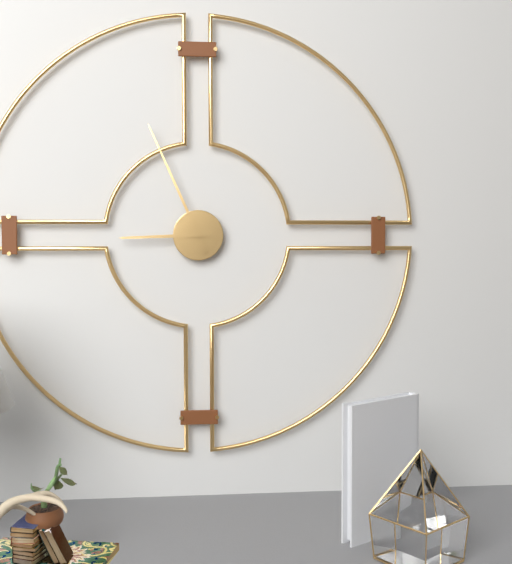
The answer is 8 h 56 min
